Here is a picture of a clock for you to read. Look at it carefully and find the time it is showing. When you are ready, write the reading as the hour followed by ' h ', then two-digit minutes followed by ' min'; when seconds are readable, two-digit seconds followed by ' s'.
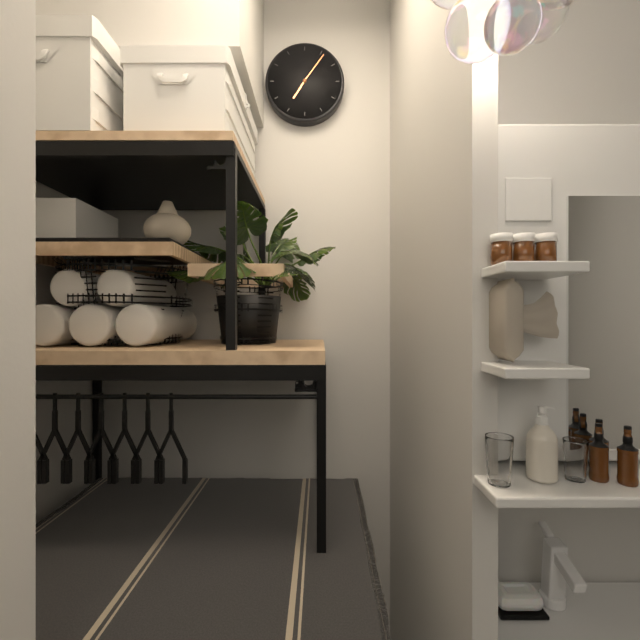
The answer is 7 h 06 min
